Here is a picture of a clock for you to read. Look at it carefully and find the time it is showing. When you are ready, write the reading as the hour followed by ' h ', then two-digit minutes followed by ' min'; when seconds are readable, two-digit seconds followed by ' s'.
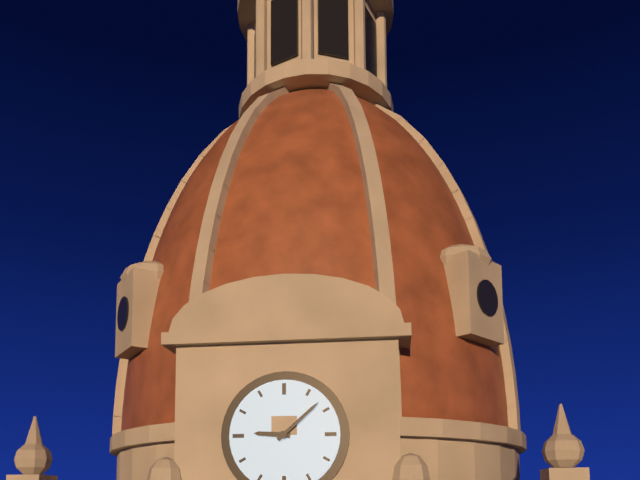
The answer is 9 h 08 min
